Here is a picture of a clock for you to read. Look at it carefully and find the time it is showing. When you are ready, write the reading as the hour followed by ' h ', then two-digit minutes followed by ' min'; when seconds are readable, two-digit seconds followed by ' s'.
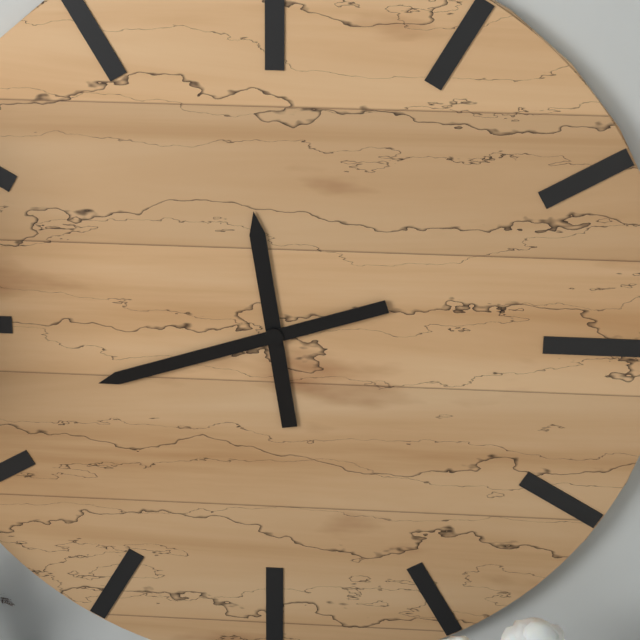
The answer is 11 h 42 min
